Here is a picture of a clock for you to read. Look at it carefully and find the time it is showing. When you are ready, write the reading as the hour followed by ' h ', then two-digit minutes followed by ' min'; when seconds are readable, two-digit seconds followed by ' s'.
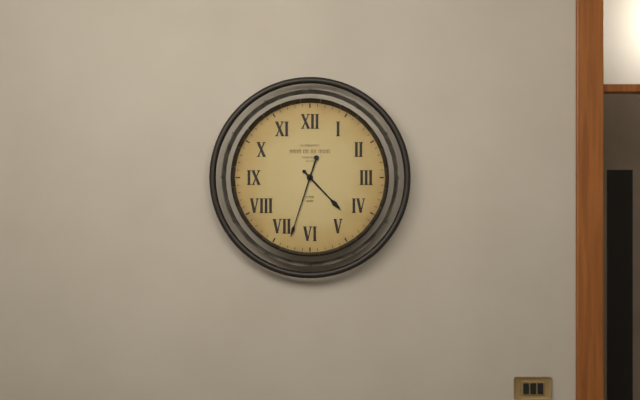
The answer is 4 h 33 min
